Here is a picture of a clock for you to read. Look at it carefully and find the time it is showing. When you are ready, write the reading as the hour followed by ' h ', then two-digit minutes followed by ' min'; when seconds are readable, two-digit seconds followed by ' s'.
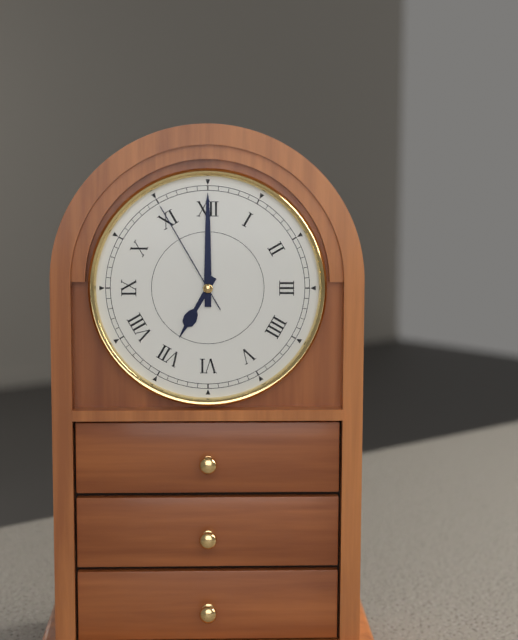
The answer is 7 h 00 min 55 s
